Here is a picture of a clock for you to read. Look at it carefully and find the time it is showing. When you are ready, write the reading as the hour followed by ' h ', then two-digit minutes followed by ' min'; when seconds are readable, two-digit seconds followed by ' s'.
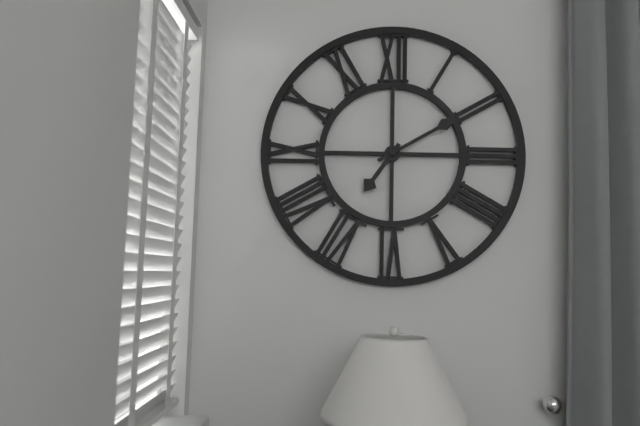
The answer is 7 h 10 min
